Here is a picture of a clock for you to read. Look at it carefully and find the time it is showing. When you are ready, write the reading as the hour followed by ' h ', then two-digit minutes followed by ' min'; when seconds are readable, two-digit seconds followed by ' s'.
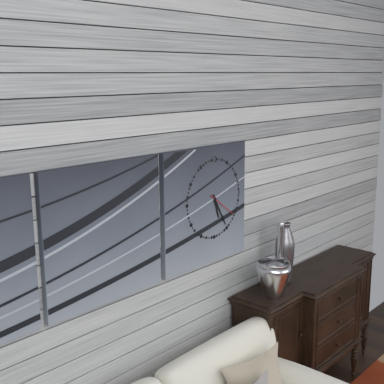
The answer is 5 h 25 min
